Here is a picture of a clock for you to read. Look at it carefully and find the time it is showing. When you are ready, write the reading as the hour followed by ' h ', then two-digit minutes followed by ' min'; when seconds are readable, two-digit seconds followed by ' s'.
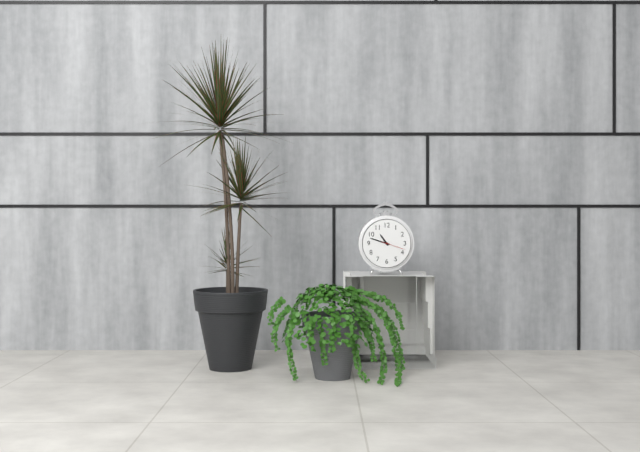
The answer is 10 h 48 min
